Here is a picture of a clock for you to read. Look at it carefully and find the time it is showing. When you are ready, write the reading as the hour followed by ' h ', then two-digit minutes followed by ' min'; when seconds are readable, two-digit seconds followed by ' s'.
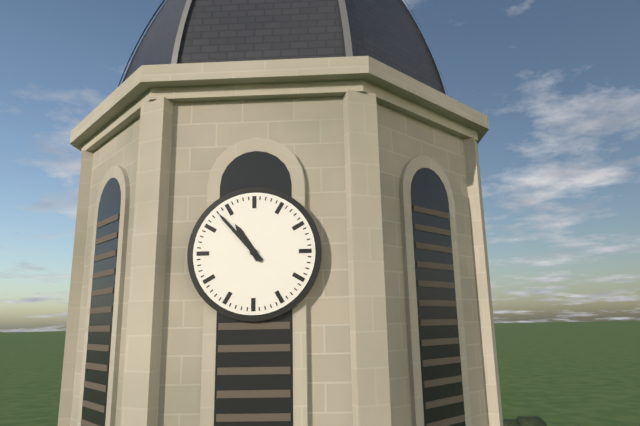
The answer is 10 h 53 min
